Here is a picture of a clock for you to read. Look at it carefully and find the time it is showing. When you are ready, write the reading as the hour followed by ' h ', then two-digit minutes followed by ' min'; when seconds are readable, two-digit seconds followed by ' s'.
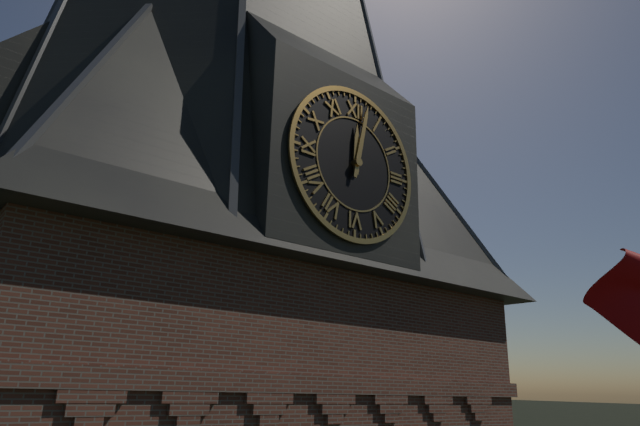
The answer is 12 h 02 min
